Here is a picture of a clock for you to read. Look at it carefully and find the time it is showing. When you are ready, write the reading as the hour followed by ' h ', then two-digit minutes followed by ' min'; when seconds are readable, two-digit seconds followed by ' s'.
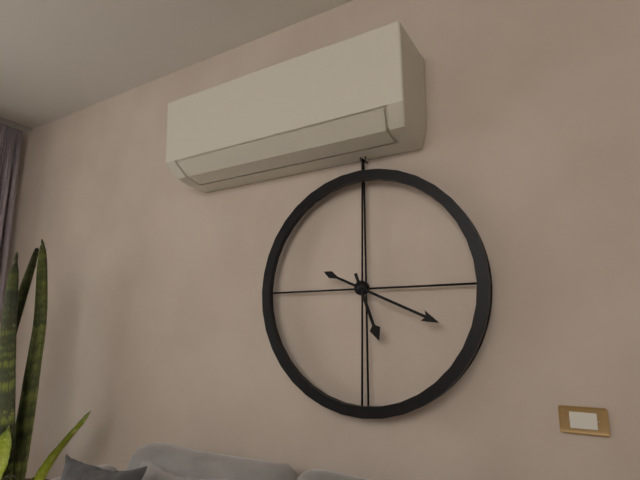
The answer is 5 h 19 min
